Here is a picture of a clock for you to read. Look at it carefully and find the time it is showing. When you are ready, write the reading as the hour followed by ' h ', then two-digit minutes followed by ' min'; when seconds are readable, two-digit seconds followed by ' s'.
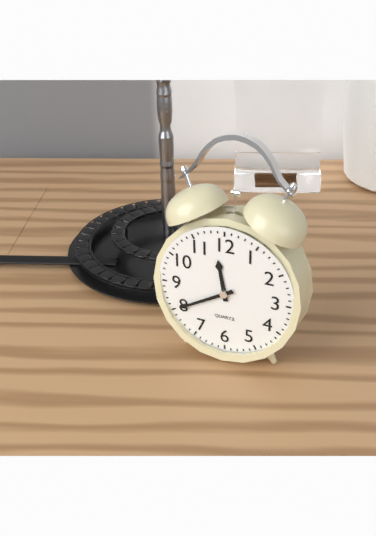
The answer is 11 h 40 min
